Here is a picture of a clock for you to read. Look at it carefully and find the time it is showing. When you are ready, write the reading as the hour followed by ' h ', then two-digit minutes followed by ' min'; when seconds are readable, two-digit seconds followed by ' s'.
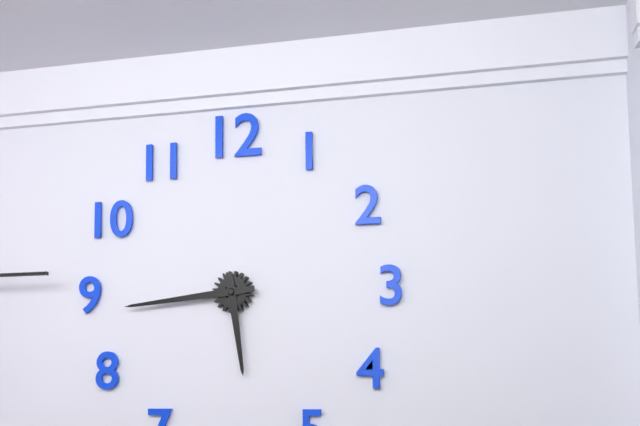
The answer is 5 h 44 min
